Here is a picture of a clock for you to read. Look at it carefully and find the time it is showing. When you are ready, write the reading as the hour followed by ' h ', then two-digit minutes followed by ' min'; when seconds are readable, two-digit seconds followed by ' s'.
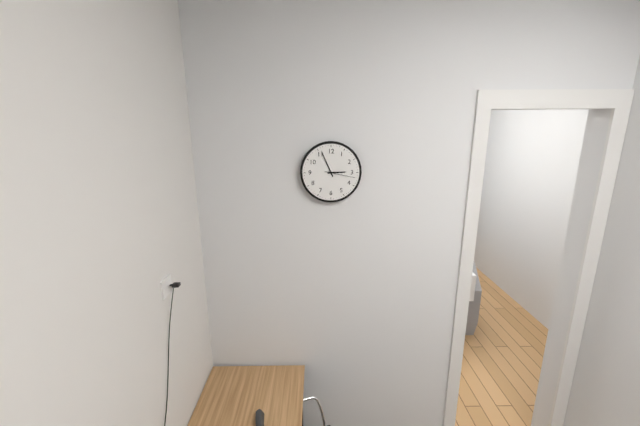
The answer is 2 h 56 min
